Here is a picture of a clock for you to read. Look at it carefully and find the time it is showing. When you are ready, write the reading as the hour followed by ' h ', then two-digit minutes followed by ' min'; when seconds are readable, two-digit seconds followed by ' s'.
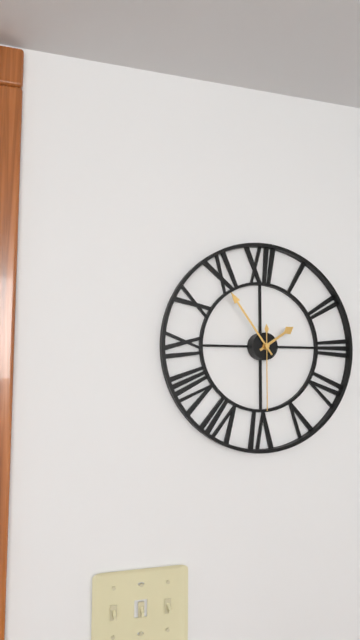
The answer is 1 h 54 min 30 s
